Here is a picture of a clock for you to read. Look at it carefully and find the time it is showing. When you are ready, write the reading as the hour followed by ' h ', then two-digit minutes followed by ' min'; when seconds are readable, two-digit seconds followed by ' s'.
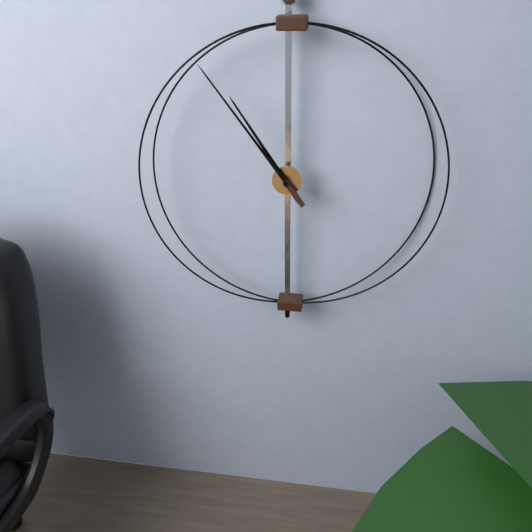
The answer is 10 h 54 min
